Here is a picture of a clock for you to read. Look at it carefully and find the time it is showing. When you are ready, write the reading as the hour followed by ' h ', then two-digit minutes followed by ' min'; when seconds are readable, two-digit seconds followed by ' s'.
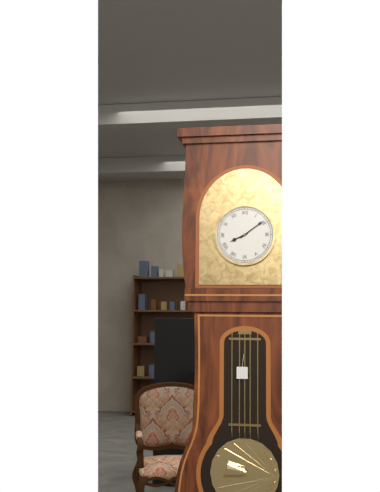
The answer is 8 h 09 min
